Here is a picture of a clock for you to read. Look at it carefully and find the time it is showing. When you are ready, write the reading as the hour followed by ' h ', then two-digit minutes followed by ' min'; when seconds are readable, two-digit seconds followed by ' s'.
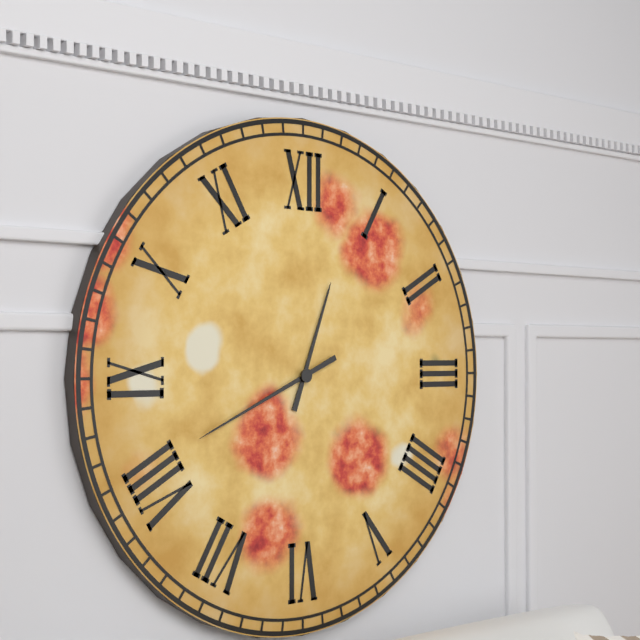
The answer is 12 h 41 min
